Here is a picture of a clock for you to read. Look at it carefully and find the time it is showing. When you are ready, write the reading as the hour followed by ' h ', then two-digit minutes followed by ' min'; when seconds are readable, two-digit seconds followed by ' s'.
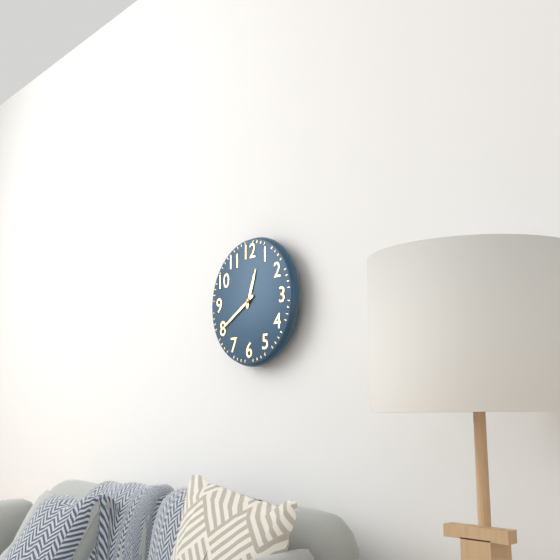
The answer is 12 h 40 min
